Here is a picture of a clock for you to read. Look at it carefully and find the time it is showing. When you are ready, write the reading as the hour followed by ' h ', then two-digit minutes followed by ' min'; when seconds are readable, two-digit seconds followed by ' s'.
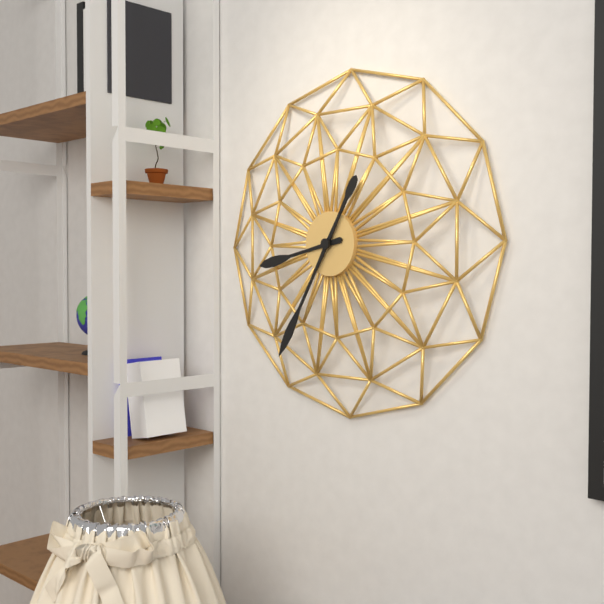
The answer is 8 h 35 min
